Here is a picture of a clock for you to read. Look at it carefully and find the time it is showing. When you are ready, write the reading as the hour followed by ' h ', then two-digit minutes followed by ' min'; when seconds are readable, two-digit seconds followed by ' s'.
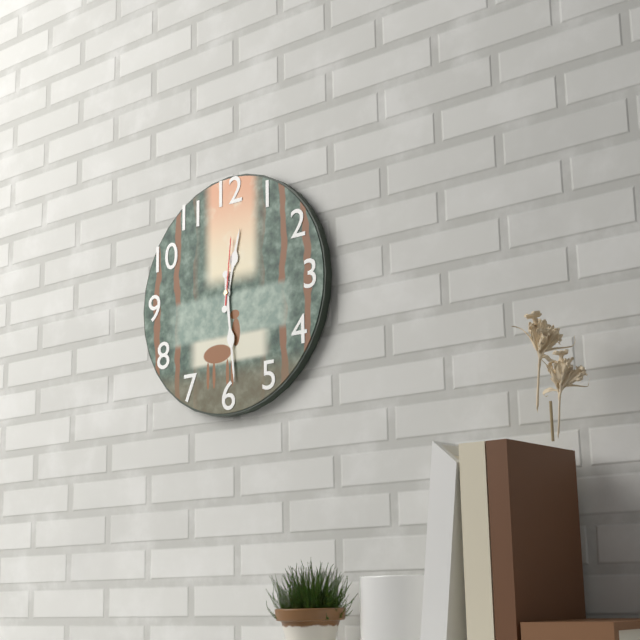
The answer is 12 h 29 min 01 s
